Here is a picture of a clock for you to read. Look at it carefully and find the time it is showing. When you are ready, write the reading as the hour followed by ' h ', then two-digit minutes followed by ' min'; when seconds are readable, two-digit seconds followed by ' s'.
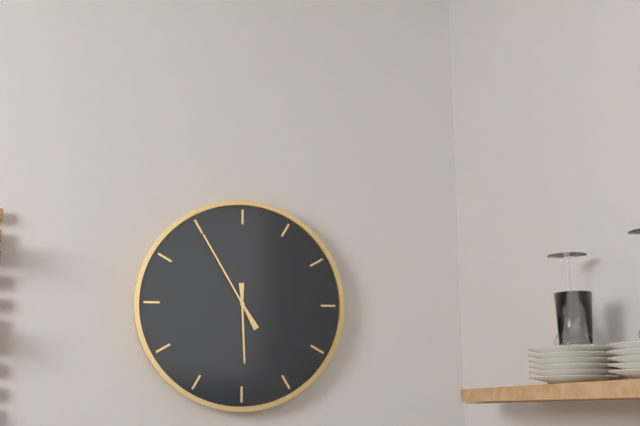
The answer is 5 h 55 min
